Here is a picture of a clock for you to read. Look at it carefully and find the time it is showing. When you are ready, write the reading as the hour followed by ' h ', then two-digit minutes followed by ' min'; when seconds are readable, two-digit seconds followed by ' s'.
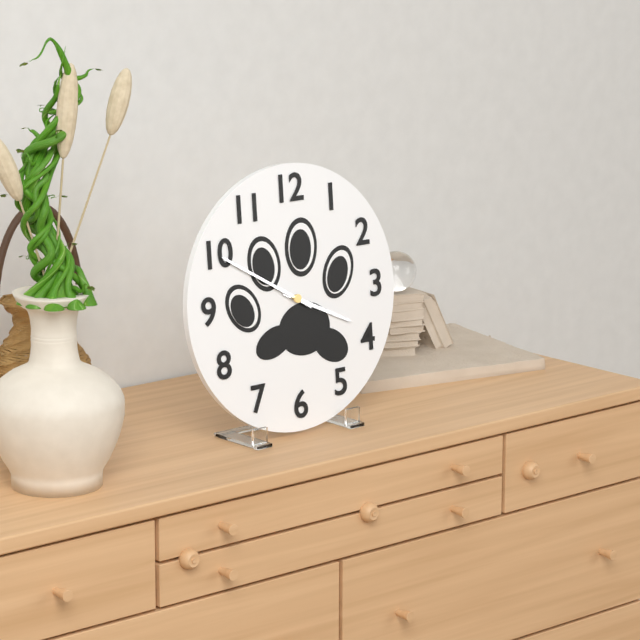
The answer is 3 h 50 min
